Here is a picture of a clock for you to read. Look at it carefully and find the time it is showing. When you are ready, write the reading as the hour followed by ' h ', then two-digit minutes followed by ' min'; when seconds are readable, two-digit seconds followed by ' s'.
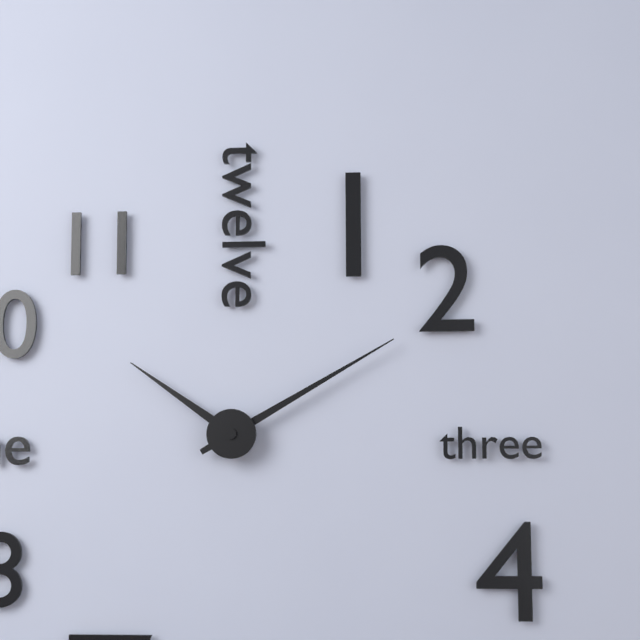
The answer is 10 h 10 min
